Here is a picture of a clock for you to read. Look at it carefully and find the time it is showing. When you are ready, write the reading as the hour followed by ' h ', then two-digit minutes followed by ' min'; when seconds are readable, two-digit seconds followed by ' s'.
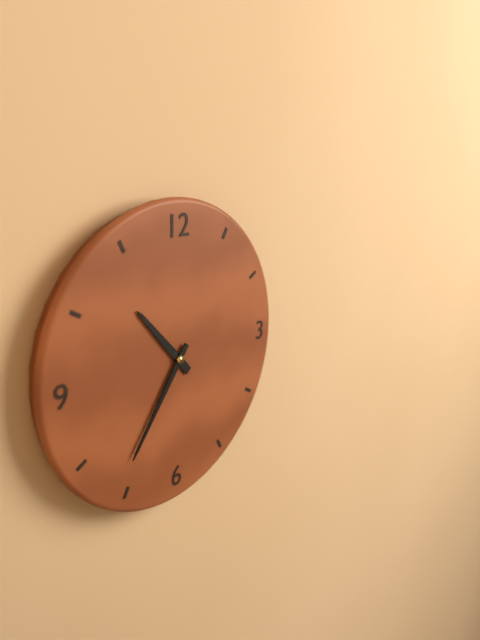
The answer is 10 h 36 min
